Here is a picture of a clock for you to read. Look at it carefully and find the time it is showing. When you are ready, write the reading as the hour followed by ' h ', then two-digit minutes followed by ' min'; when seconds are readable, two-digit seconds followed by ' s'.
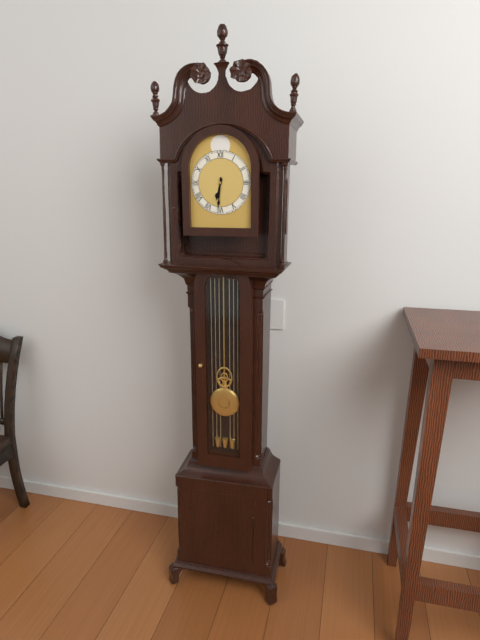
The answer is 6 h 31 min
